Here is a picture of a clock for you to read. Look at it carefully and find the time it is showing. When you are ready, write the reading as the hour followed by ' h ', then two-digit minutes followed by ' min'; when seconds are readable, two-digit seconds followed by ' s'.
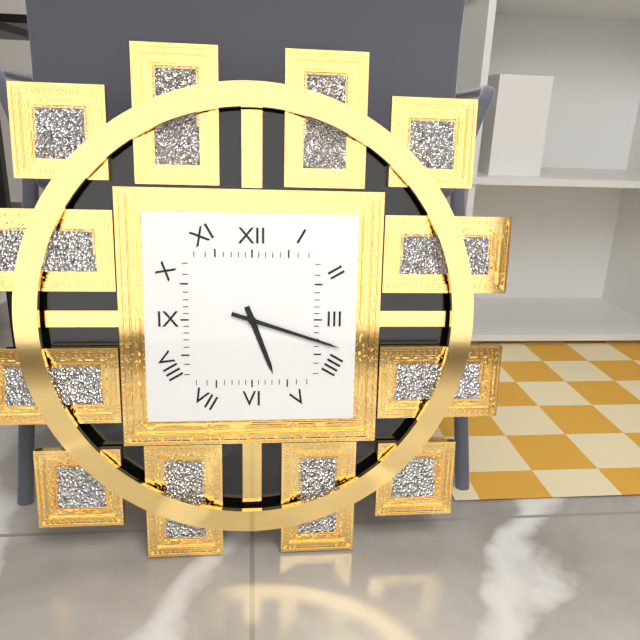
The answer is 5 h 18 min
